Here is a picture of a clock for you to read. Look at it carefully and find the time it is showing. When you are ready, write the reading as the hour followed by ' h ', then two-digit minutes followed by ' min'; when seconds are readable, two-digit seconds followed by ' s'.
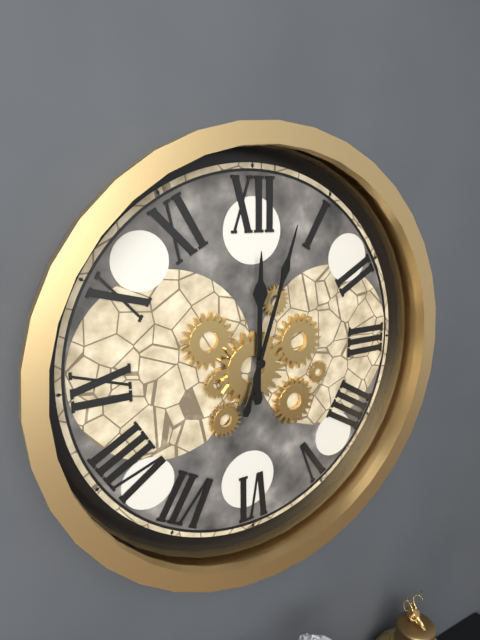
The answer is 12 h 03 min
